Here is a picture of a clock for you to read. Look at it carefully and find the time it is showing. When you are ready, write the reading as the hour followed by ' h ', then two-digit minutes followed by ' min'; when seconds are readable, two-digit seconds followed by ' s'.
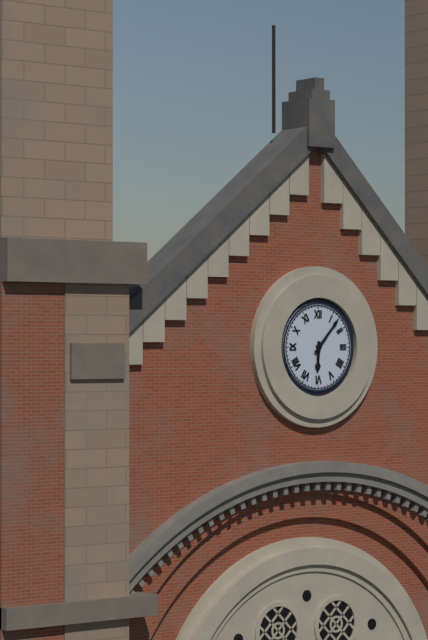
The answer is 6 h 07 min
